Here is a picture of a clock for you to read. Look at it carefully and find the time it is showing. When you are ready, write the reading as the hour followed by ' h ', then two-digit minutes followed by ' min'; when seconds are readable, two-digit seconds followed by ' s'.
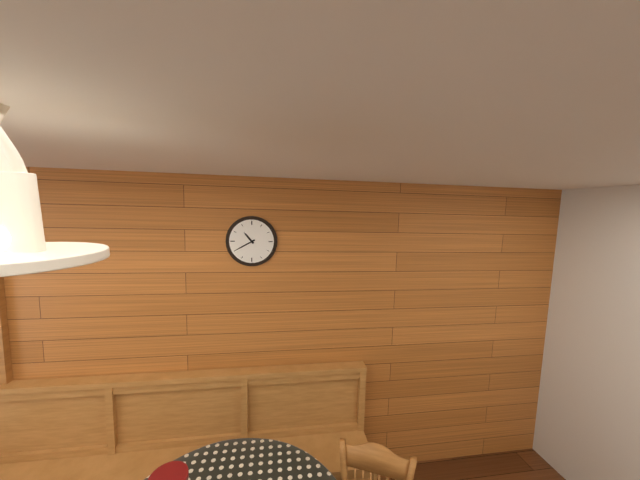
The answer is 10 h 40 min
